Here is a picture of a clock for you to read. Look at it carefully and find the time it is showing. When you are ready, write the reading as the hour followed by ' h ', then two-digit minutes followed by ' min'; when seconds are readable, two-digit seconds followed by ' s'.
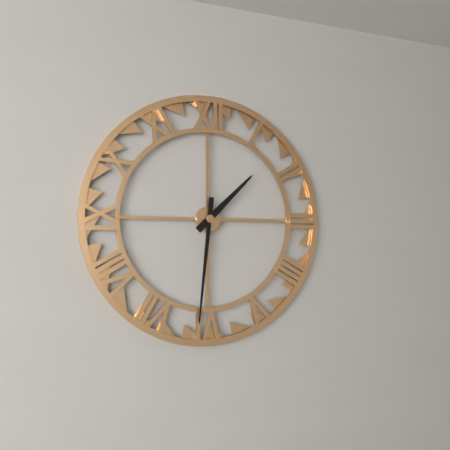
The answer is 1 h 31 min
